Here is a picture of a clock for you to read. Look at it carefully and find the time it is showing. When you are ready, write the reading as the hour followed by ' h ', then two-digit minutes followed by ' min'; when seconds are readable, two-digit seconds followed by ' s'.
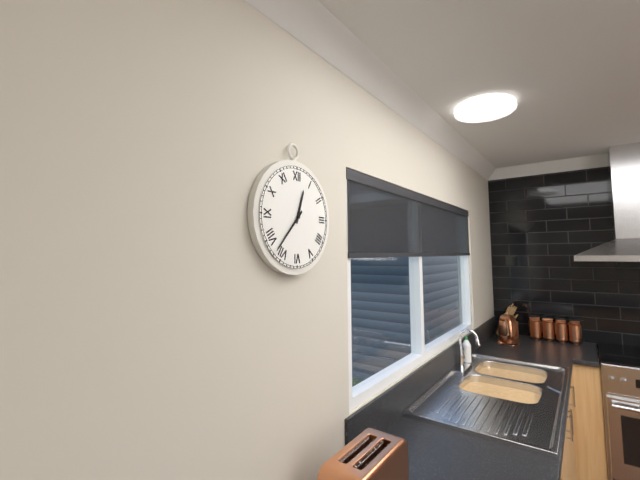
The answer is 12 h 37 min
